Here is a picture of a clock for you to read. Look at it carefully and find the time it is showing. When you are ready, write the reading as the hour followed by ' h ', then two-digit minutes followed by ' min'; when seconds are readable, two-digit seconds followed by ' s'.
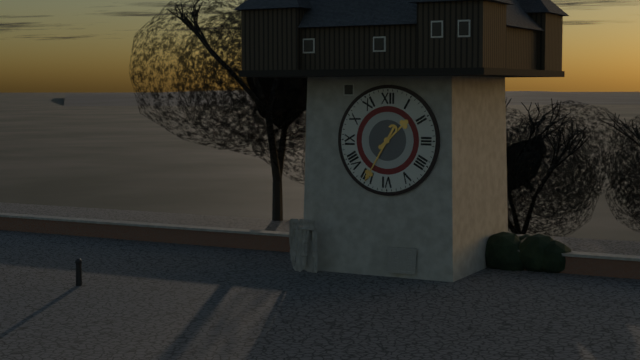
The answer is 1 h 35 min
